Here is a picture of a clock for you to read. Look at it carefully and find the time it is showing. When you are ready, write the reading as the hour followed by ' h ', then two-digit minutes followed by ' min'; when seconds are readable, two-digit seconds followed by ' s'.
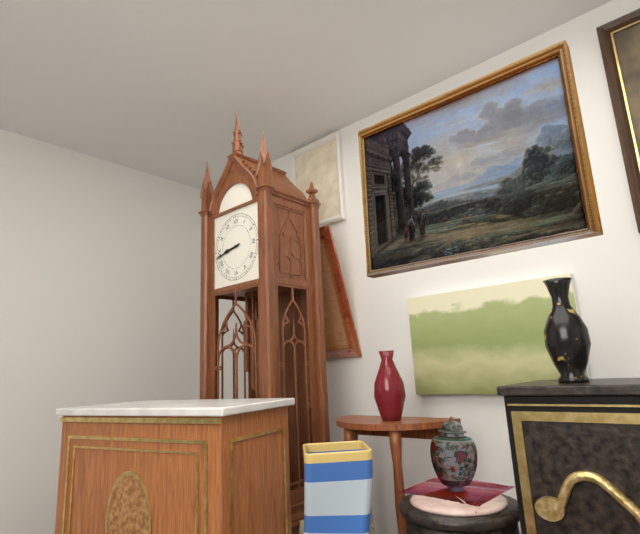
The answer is 8 h 43 min
